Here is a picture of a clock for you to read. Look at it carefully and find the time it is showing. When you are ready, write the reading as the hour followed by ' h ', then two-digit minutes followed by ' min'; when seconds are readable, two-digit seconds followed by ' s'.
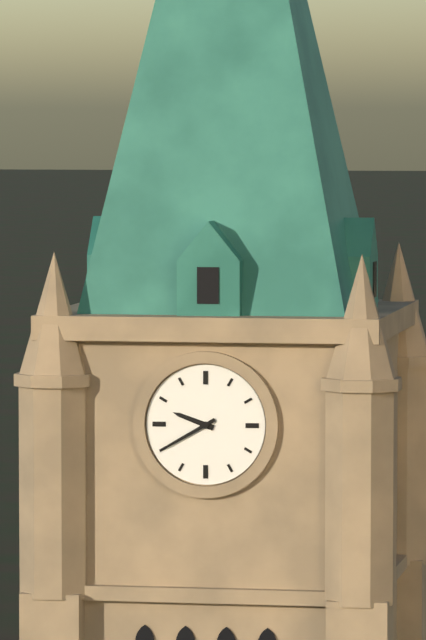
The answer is 9 h 40 min
